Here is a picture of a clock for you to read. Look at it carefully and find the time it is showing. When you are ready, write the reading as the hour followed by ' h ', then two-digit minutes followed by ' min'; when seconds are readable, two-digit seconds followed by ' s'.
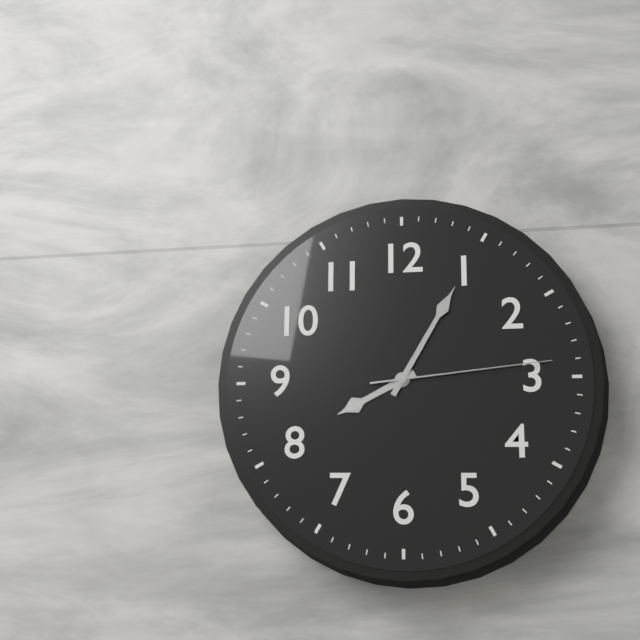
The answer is 8 h 05 min 14 s
